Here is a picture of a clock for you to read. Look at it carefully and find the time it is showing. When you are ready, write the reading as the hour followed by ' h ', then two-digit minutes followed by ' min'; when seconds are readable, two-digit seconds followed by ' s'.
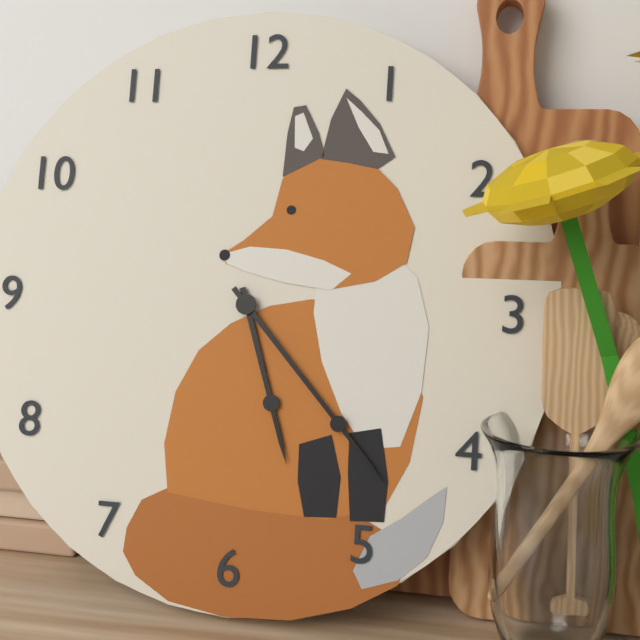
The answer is 5 h 23 min
